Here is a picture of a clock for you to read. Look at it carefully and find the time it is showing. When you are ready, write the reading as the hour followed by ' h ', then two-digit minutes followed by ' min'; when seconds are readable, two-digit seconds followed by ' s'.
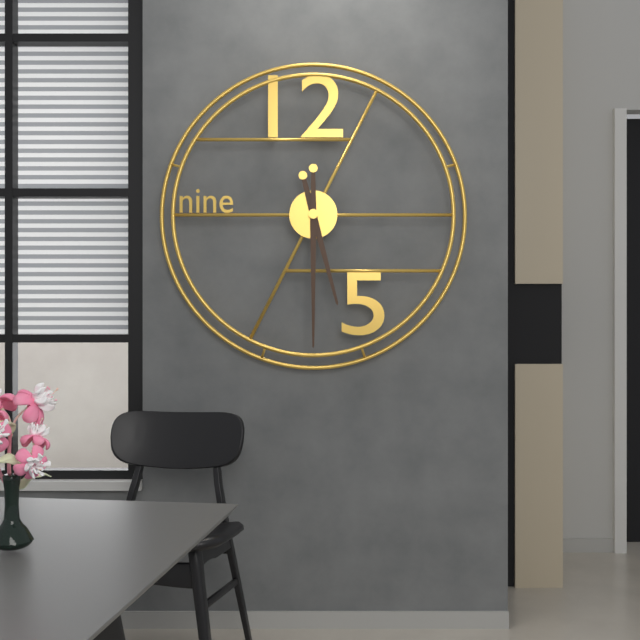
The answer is 5 h 30 min
